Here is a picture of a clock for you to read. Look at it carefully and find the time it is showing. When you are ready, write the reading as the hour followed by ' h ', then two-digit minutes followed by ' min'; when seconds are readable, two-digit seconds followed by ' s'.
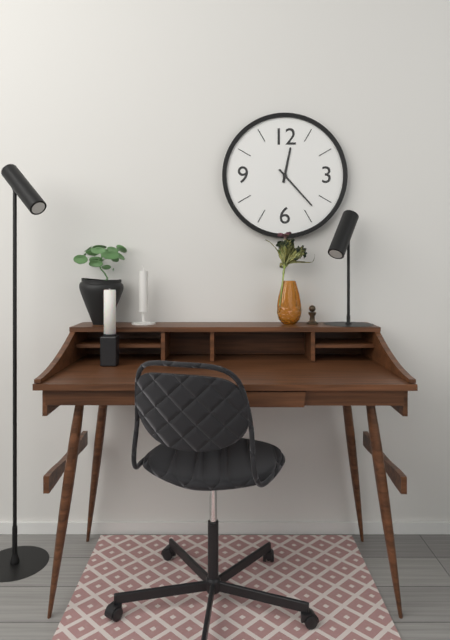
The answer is 12 h 23 min
